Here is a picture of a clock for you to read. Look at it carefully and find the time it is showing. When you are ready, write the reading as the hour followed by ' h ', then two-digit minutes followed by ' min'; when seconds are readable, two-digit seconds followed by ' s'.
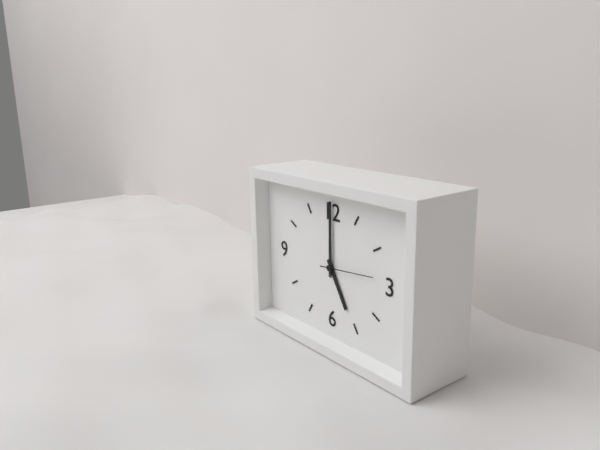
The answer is 5 h 00 min 14 s
